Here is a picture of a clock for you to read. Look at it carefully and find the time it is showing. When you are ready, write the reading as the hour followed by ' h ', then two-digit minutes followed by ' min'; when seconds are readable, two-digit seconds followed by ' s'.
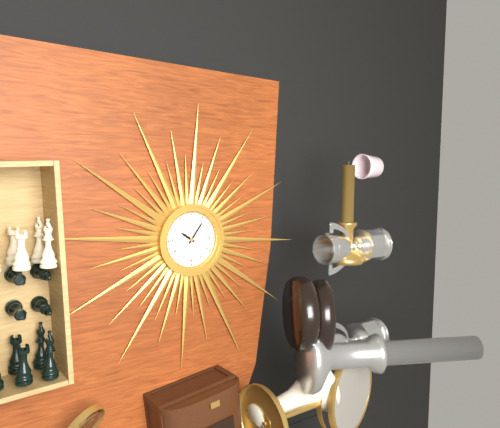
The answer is 10 h 06 min
